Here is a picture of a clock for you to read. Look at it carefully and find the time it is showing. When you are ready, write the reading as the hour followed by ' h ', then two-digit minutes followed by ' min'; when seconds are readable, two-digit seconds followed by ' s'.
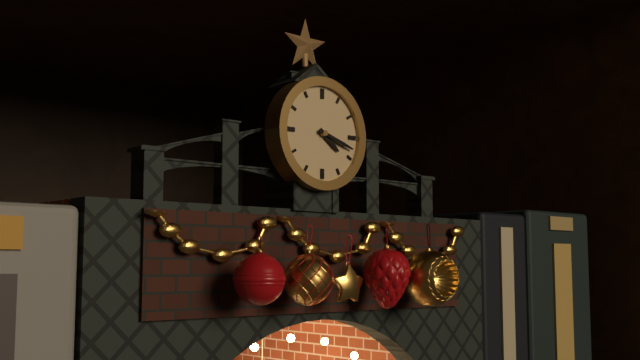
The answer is 4 h 18 min
